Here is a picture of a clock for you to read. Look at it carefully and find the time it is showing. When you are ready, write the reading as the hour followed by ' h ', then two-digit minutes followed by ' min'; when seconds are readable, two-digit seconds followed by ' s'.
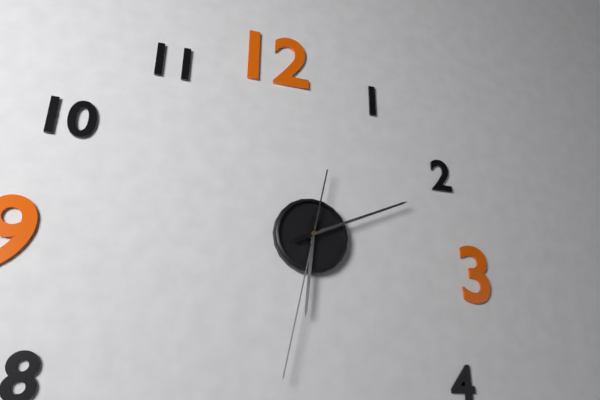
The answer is 6 h 11 min 32 s
